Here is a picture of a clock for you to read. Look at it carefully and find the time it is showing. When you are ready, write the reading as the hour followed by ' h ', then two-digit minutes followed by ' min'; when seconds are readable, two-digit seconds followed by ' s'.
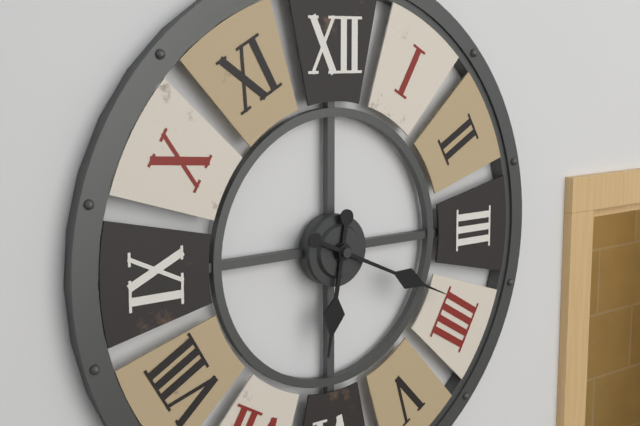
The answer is 6 h 19 min
